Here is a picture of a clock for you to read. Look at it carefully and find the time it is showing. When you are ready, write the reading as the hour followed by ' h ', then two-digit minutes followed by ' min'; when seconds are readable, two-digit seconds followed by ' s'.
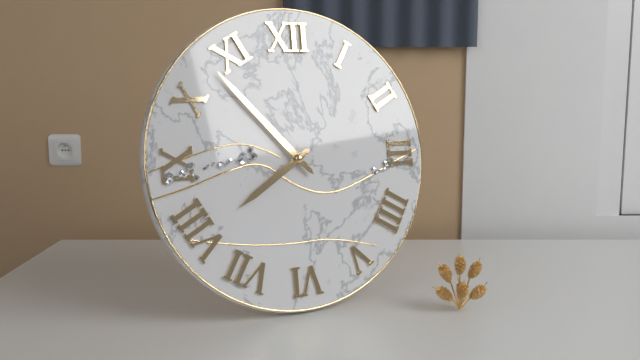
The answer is 7 h 53 min
